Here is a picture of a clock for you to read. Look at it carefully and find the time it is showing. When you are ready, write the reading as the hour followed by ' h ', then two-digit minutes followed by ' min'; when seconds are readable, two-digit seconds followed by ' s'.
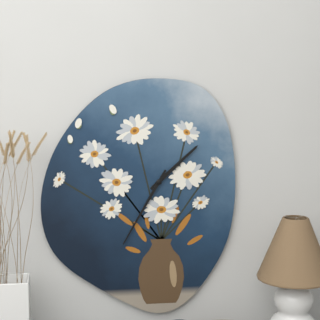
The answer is 1 h 35 min
